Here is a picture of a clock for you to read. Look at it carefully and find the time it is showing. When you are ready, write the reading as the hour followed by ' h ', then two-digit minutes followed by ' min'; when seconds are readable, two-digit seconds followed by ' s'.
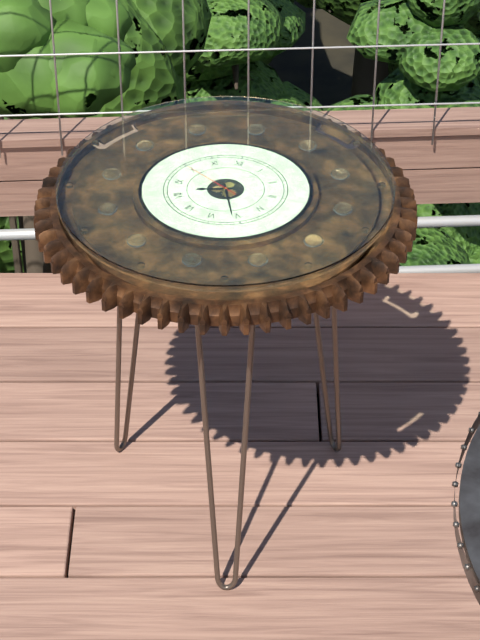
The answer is 8 h 26 min 50 s
